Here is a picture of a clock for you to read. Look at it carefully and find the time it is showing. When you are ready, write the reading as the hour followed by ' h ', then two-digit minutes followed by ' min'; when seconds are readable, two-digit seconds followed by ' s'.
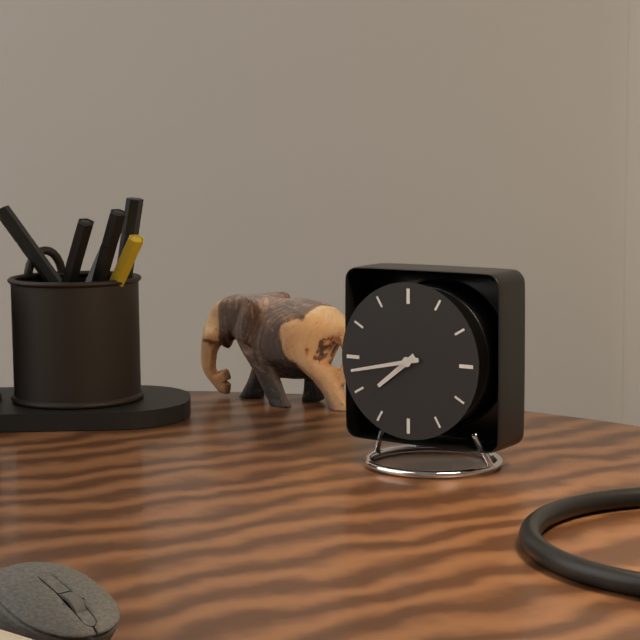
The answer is 7 h 43 min
